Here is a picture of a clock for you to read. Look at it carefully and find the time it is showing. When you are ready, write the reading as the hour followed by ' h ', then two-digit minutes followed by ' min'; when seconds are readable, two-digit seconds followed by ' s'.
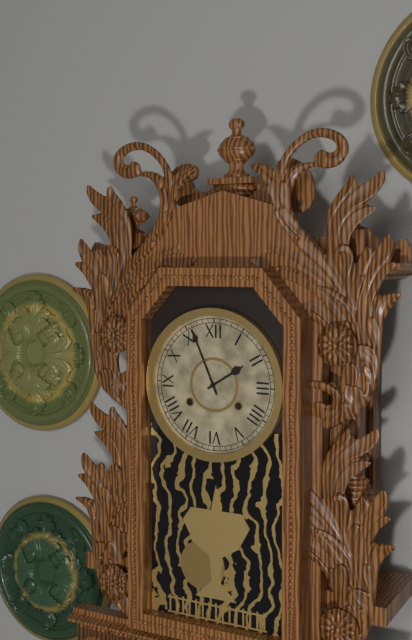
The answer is 1 h 56 min
